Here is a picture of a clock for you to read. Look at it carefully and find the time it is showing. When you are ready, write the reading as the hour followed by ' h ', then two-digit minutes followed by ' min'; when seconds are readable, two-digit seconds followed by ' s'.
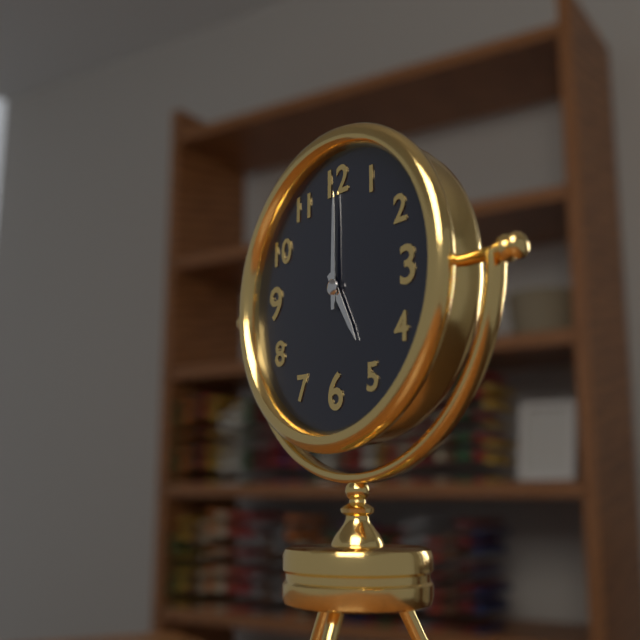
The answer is 5 h 00 min
